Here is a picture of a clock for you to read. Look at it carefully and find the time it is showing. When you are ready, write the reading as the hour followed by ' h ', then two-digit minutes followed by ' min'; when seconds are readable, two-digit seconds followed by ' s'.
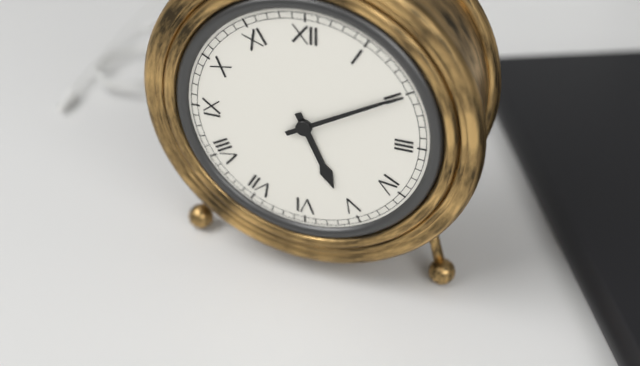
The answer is 5 h 10 min
